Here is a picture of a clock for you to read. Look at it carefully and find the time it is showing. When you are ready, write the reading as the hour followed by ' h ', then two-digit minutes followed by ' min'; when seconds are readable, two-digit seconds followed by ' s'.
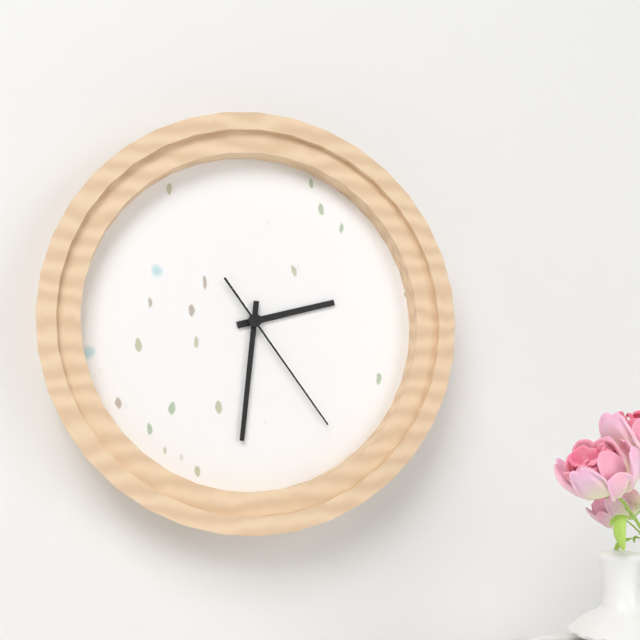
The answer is 2 h 31 min 24 s
